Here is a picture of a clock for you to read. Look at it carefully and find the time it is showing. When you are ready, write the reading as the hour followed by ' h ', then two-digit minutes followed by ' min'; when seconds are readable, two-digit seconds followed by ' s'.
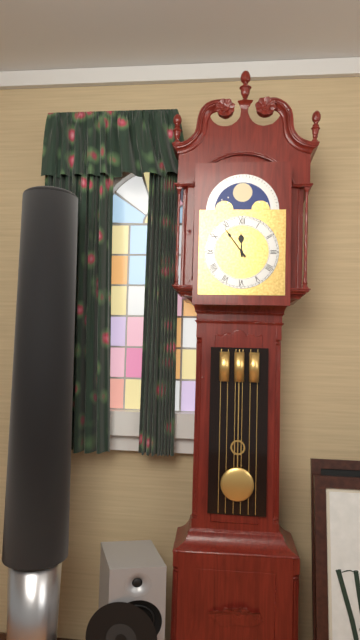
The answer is 11 h 54 min
